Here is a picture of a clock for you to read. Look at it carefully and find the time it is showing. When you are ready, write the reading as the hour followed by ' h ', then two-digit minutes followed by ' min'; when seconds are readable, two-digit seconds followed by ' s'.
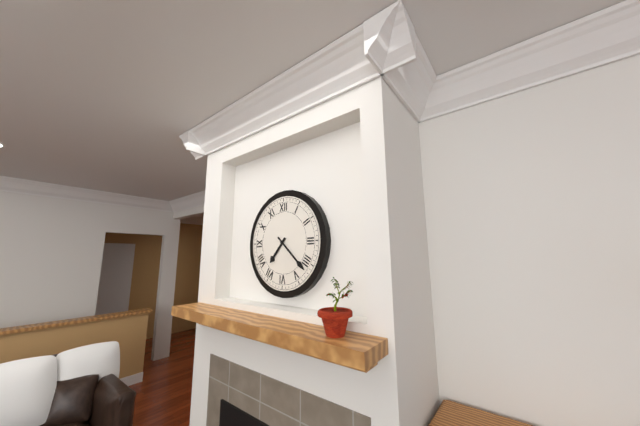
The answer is 7 h 22 min
